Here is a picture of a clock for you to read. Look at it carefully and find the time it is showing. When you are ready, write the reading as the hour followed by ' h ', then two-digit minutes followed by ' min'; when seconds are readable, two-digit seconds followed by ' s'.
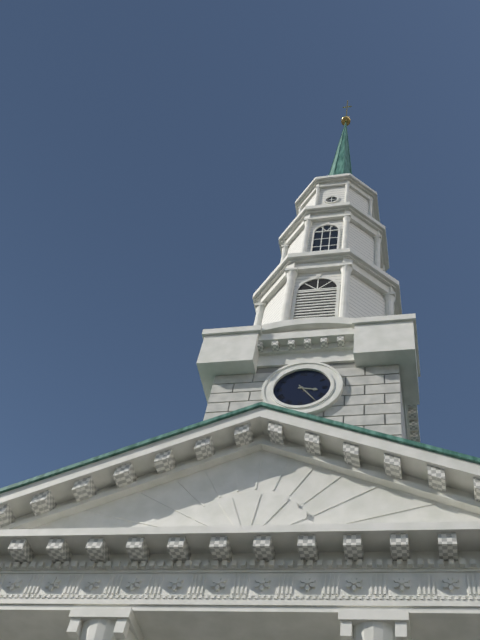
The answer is 3 h 24 min
